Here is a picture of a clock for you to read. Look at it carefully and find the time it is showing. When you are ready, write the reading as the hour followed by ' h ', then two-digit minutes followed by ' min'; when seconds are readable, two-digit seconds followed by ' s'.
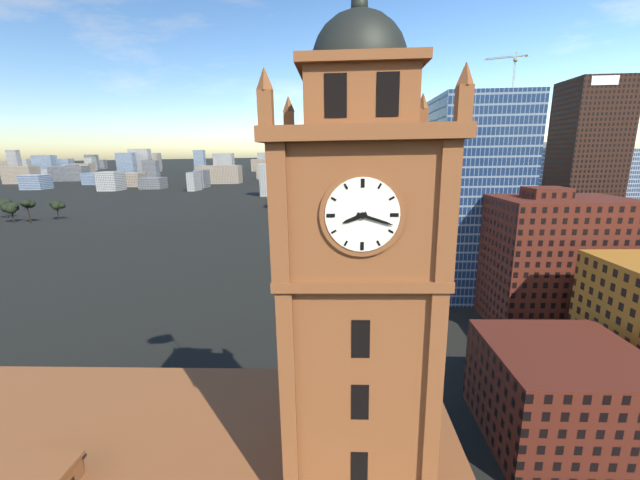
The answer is 8 h 18 min
